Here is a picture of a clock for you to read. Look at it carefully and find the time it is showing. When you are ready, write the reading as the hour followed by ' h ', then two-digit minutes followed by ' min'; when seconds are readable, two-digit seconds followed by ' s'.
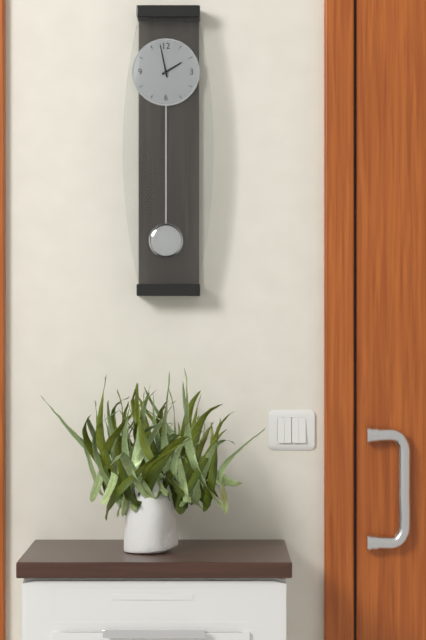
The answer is 1 h 58 min
